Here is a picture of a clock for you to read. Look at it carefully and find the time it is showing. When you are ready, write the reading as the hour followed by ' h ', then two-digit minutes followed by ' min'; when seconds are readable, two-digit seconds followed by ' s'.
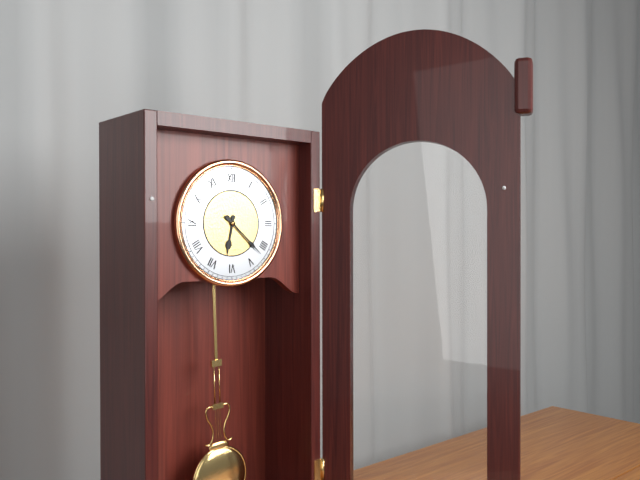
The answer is 6 h 22 min
